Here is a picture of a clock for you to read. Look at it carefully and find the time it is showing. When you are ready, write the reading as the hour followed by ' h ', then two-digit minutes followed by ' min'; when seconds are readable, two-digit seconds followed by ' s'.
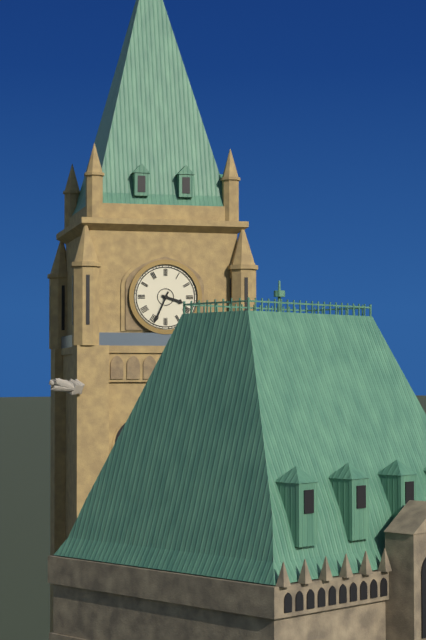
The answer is 3 h 34 min
